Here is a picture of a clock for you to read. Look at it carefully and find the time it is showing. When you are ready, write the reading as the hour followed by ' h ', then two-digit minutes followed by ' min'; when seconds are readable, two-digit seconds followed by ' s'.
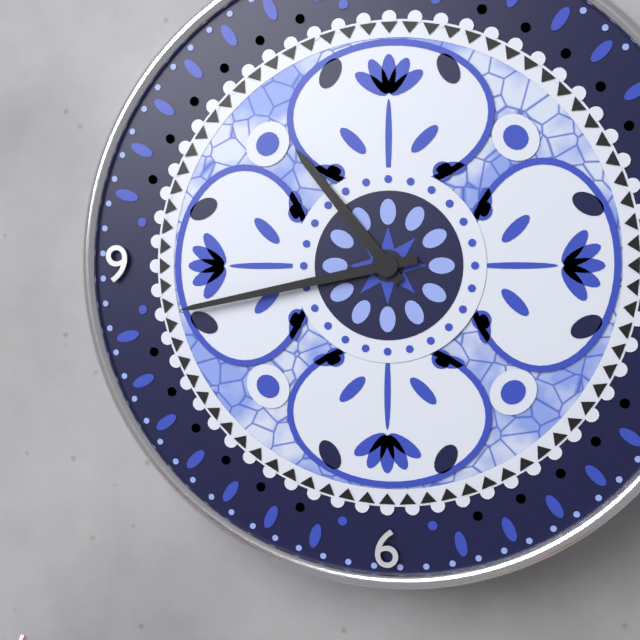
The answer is 10 h 43 min
